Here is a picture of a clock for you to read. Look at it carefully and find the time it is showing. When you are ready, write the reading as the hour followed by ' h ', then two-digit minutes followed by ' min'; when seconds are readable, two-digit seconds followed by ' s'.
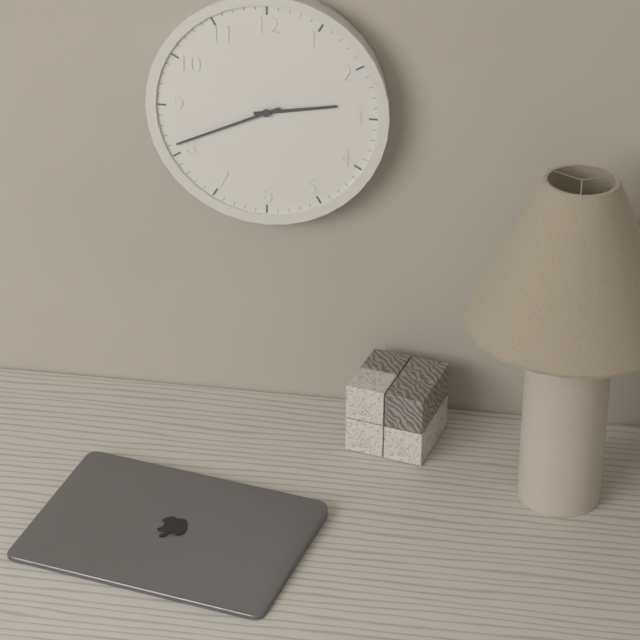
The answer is 2 h 41 min
